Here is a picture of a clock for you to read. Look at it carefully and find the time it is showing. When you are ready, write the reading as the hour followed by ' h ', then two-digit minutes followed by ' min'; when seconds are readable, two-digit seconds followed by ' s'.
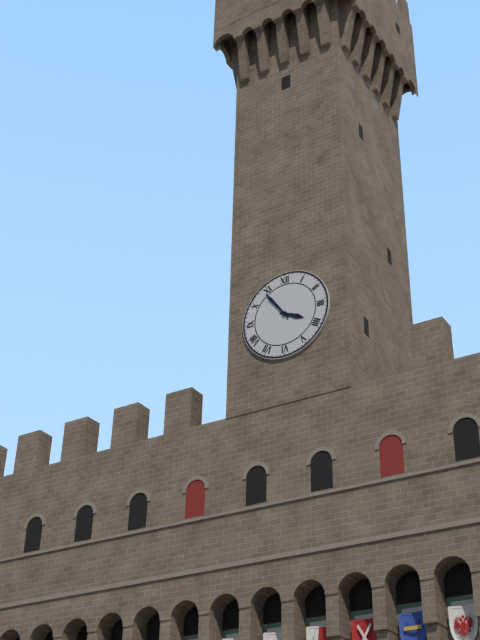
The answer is 3 h 54 min
